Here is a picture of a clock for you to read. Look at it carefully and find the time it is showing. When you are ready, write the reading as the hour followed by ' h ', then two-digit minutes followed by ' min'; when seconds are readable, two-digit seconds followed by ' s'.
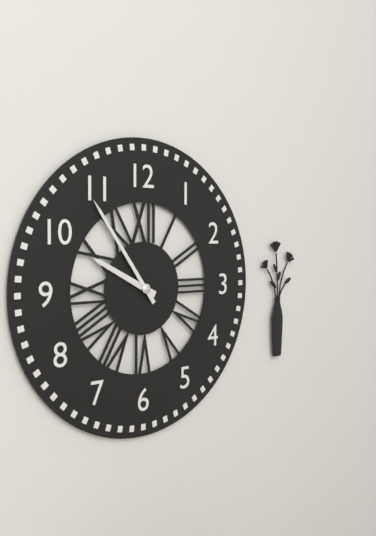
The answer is 9 h 54 min
